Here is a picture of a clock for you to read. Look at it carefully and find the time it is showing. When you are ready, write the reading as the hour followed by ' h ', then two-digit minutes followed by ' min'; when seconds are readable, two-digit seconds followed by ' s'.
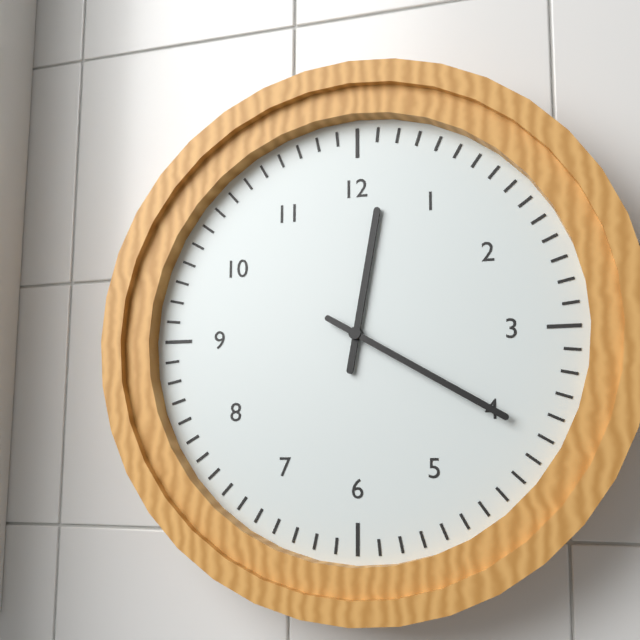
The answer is 12 h 20 min
